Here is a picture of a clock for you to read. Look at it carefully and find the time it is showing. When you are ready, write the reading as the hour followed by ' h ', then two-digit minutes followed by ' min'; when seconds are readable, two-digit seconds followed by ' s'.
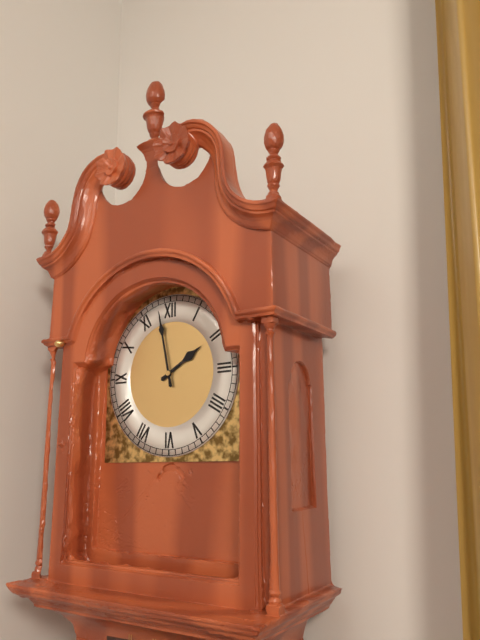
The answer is 1 h 58 min
